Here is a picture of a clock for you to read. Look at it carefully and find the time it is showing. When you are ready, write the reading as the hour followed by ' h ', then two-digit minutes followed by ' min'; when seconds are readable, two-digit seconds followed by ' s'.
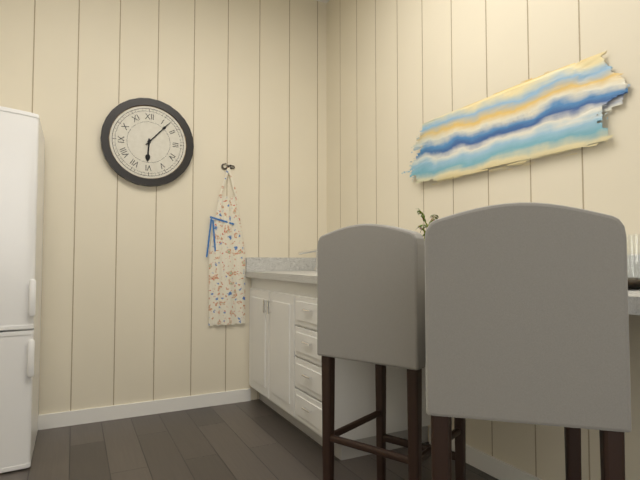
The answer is 6 h 07 min
